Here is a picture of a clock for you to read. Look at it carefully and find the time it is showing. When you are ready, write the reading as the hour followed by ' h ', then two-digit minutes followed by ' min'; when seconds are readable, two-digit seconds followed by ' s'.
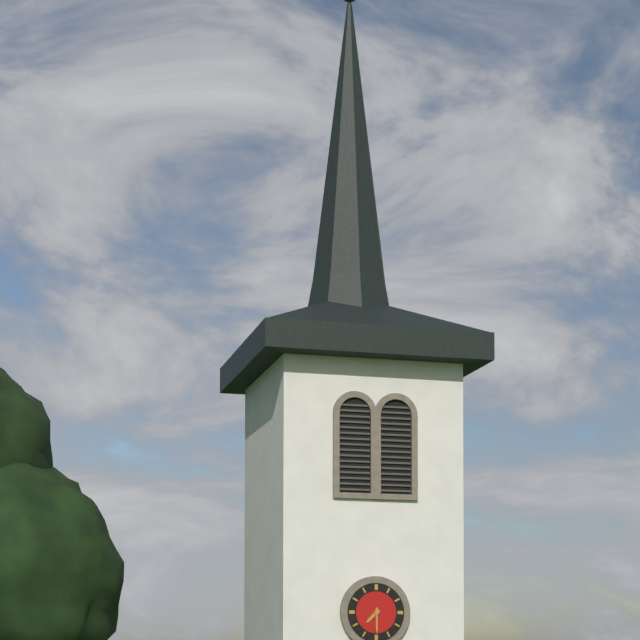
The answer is 7 h 30 min
